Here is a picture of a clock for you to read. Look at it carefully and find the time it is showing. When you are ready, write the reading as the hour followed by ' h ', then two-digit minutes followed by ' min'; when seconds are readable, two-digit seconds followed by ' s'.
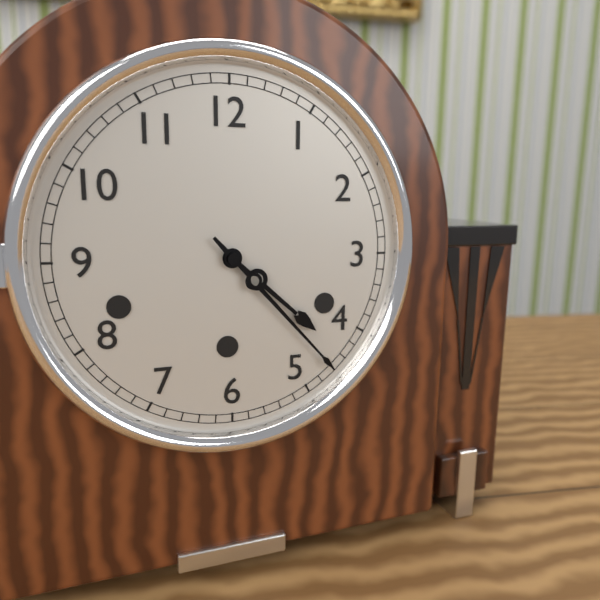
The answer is 4 h 23 min
